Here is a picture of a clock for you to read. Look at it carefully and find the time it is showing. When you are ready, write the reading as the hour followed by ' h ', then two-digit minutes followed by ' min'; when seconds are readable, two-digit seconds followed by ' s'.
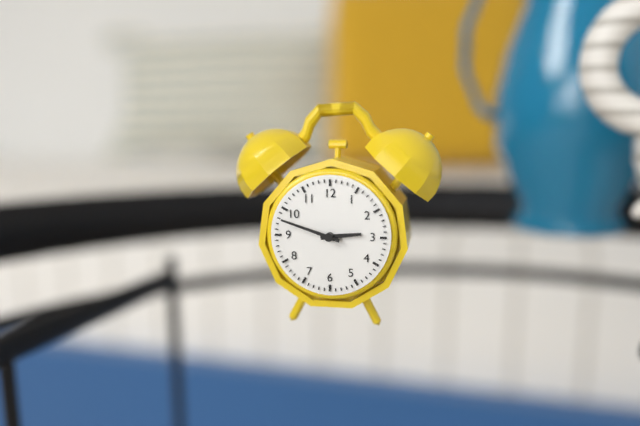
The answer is 2 h 48 min
